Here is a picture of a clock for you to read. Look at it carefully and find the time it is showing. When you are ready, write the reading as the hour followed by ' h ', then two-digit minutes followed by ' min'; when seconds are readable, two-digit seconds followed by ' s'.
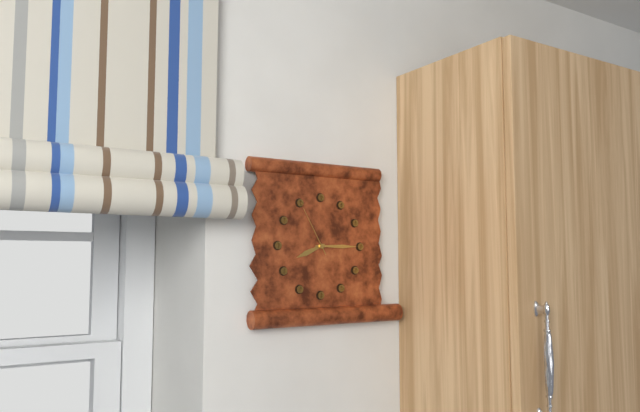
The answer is 8 h 15 min 55 s
